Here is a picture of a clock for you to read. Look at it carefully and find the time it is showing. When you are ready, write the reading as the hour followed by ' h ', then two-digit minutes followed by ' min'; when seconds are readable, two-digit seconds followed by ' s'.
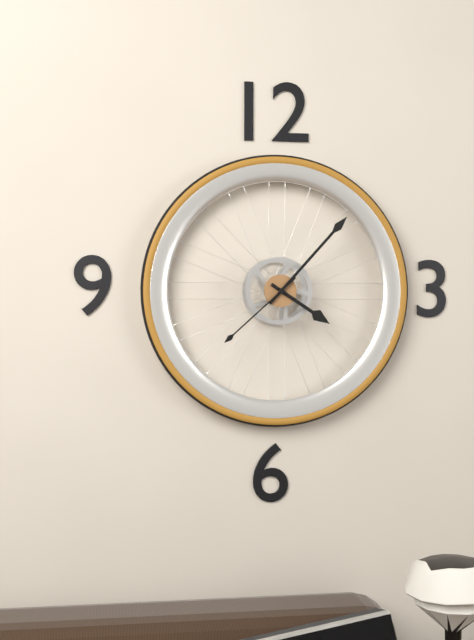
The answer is 4 h 07 min 38 s
